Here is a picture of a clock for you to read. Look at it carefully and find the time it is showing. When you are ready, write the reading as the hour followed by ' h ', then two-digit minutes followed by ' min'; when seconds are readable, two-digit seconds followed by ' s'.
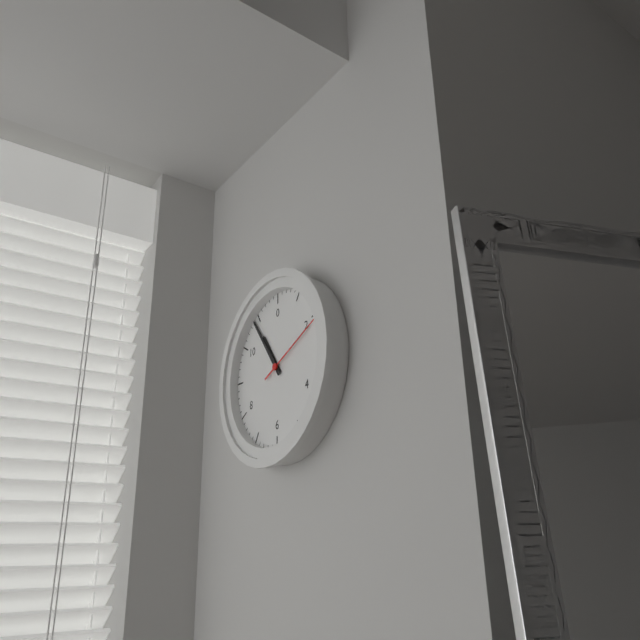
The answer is 10 h 54 min 11 s
